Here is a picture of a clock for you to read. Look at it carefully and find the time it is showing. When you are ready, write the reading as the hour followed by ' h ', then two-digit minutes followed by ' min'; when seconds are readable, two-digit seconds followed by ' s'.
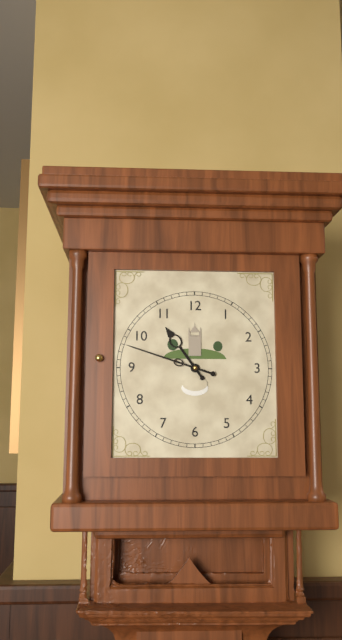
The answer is 10 h 48 min
